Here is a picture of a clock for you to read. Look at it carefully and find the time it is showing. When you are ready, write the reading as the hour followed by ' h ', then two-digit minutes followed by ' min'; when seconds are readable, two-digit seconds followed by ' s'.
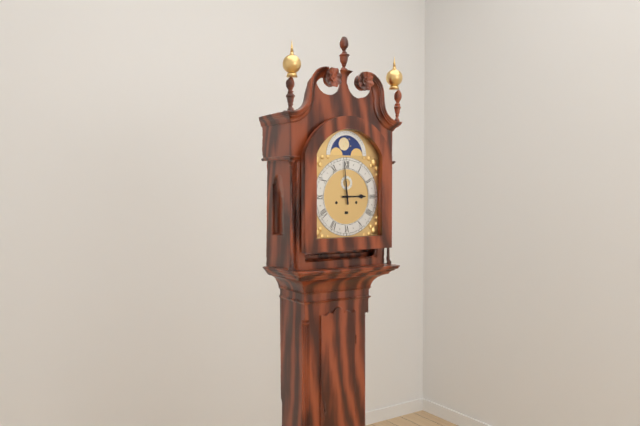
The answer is 2 h 59 min
